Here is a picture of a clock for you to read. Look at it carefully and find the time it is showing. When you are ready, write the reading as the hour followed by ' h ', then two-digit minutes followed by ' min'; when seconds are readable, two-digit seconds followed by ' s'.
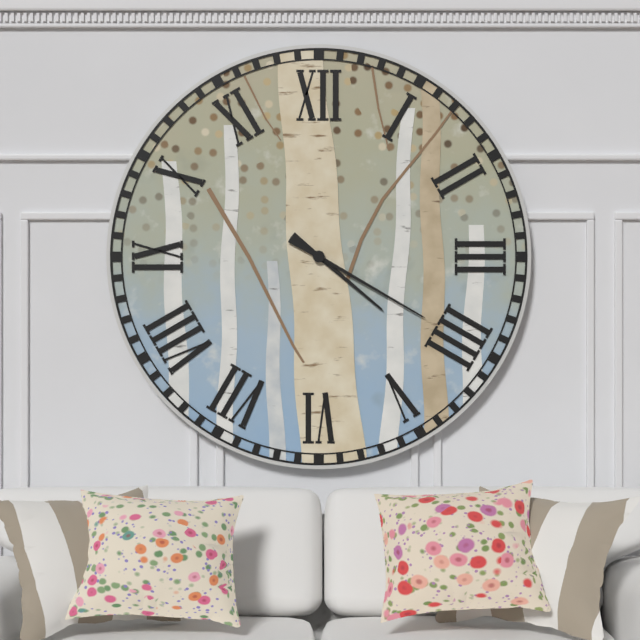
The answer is 4 h 20 min
